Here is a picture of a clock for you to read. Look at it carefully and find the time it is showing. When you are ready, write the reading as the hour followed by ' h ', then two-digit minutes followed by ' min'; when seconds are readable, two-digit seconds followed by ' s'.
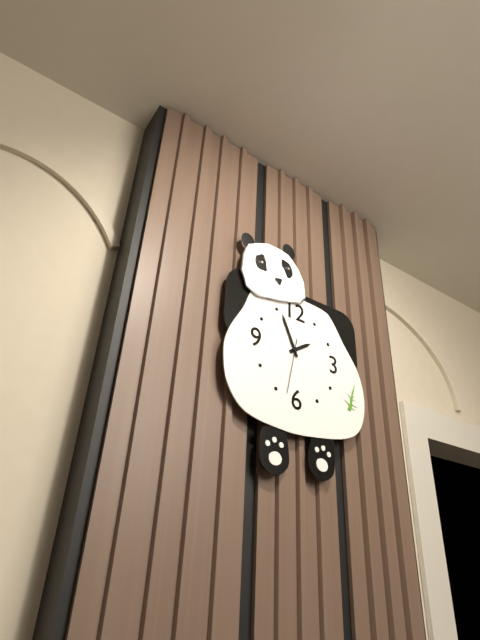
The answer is 1 h 56 min 32 s
